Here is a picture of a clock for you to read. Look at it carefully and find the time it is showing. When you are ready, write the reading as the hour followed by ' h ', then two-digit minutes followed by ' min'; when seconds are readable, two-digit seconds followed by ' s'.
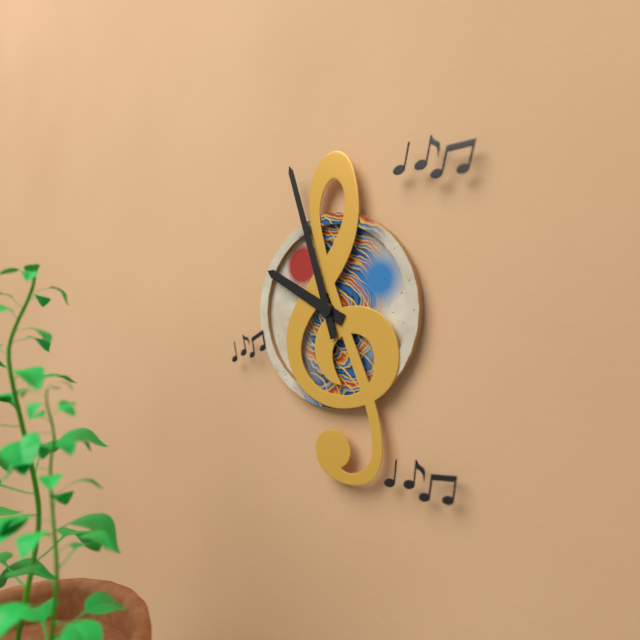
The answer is 9 h 57 min
